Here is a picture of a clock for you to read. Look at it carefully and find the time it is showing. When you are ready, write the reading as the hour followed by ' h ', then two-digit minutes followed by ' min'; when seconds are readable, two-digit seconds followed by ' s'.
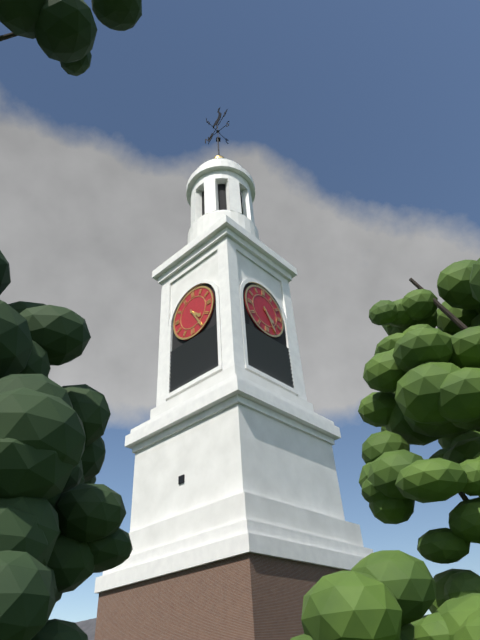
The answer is 4 h 25 min
